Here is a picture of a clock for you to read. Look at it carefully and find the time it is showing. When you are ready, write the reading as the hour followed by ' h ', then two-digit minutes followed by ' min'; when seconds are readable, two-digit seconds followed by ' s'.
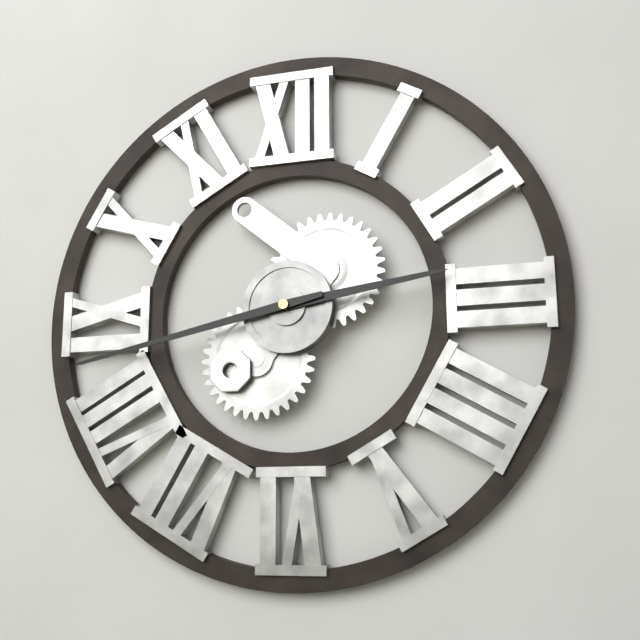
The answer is 2 h 43 min
